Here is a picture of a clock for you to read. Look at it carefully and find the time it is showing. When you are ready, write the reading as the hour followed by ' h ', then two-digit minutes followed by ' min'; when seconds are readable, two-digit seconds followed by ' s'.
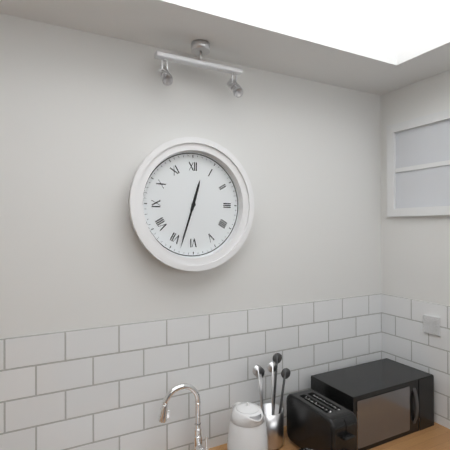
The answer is 12 h 33 min
